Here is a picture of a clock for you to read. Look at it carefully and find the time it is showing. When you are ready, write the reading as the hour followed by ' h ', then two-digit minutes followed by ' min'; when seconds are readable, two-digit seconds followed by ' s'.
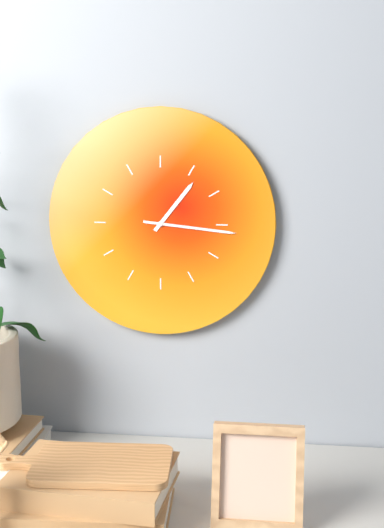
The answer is 1 h 16 min
